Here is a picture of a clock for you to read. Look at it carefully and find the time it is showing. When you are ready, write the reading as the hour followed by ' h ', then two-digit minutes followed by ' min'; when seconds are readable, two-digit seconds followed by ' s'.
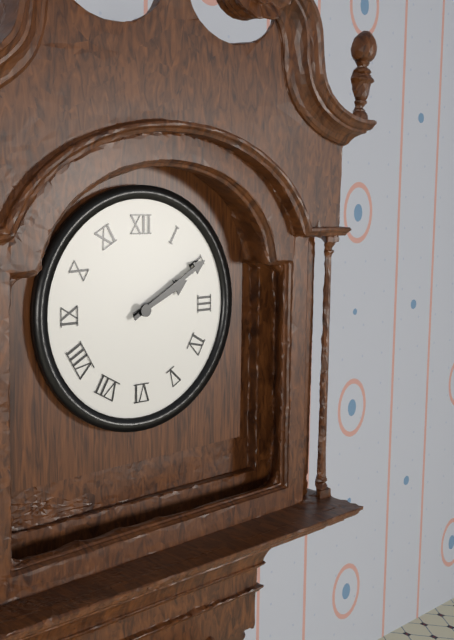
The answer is 2 h 10 min
